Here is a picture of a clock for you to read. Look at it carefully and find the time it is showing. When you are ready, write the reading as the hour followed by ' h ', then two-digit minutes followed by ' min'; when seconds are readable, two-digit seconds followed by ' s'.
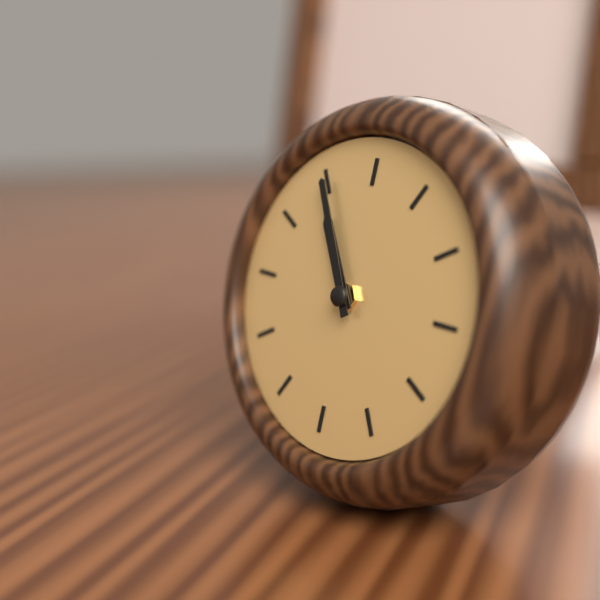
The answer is 10 h 55 min
